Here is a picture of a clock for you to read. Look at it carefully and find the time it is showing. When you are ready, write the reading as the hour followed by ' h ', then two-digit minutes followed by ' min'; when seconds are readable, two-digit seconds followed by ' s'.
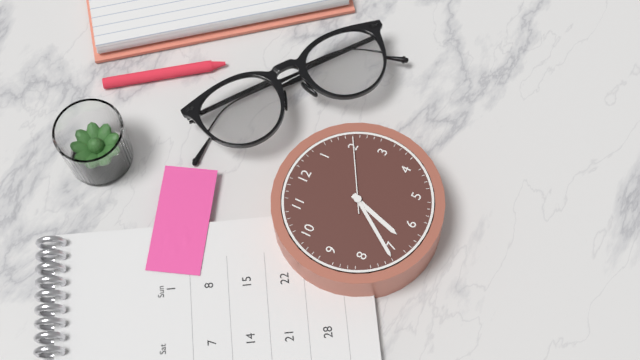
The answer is 6 h 36 min 10 s
